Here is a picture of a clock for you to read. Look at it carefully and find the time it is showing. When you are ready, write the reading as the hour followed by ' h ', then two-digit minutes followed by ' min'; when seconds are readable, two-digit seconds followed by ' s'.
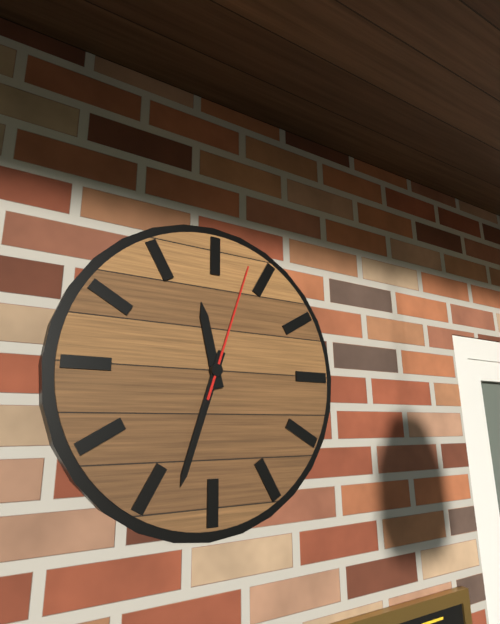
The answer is 11 h 33 min 03 s
